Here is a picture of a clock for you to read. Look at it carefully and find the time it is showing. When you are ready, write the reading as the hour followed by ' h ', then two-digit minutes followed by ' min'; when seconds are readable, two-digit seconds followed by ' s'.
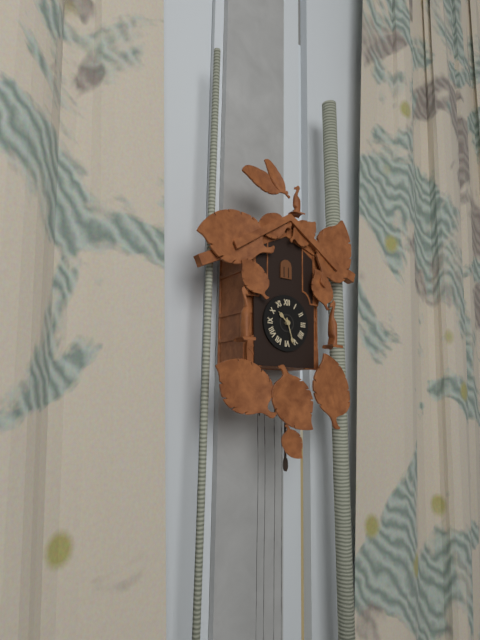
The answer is 10 h 27 min
